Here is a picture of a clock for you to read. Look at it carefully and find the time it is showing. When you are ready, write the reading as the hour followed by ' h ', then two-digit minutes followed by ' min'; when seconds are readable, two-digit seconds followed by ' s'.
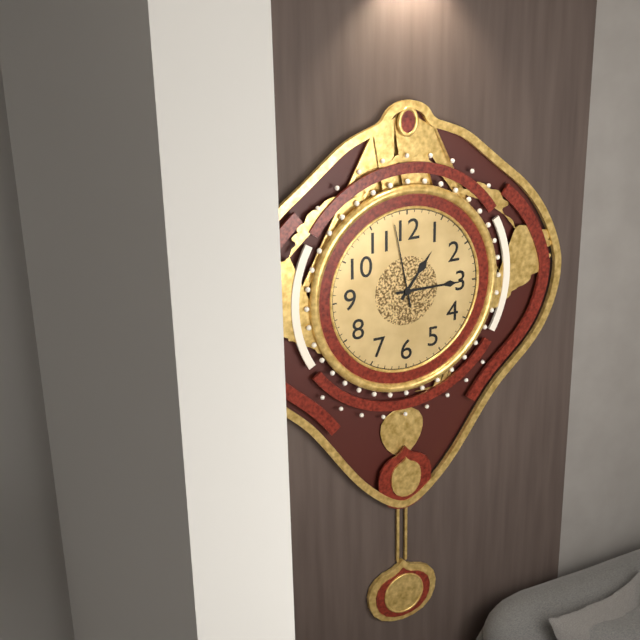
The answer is 1 h 15 min 58 s
